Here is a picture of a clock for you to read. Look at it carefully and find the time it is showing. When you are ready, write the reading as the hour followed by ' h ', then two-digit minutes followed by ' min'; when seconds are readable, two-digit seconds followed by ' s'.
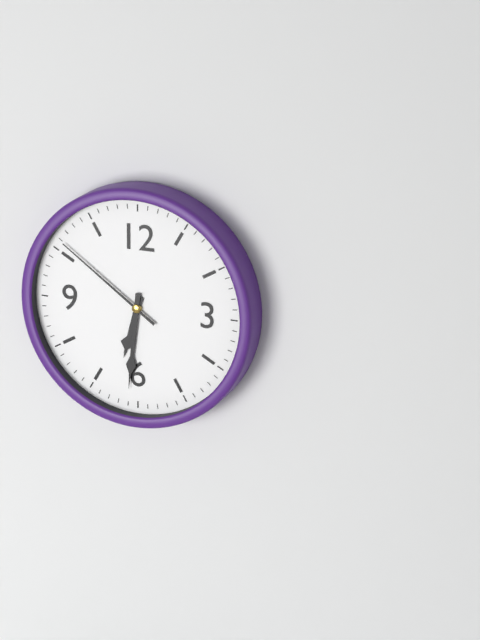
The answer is 6 h 31 min 51 s
